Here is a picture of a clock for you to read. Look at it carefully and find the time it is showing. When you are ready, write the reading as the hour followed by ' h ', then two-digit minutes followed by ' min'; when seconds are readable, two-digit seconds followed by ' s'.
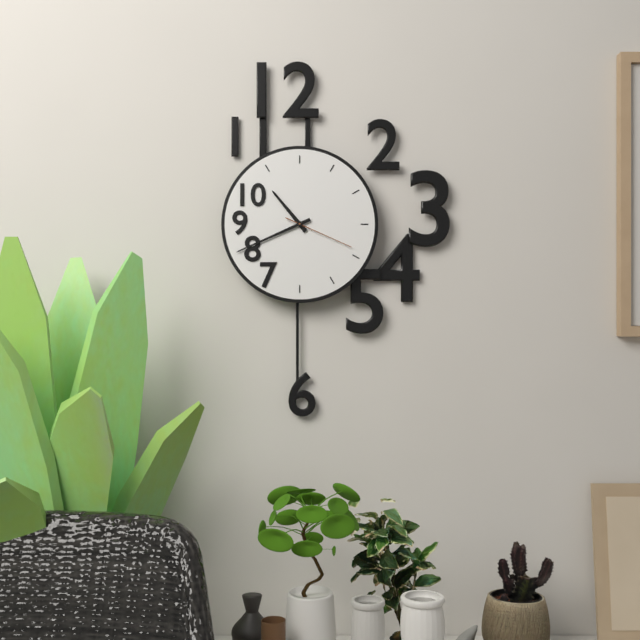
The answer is 10 h 41 min 19 s
